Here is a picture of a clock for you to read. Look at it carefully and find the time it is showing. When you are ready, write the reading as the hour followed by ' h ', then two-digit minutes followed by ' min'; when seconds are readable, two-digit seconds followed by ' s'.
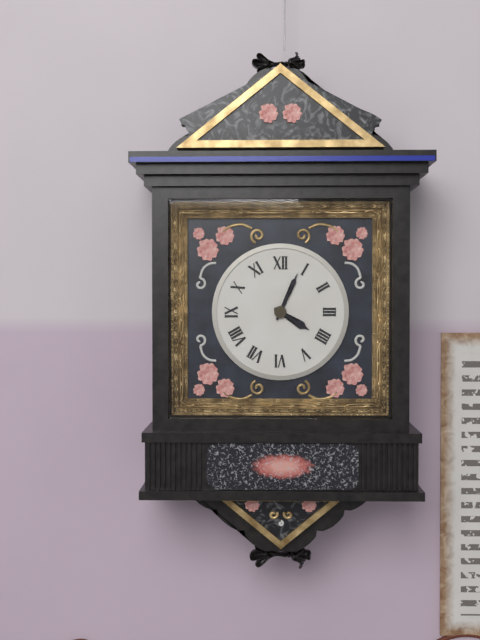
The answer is 4 h 04 min
